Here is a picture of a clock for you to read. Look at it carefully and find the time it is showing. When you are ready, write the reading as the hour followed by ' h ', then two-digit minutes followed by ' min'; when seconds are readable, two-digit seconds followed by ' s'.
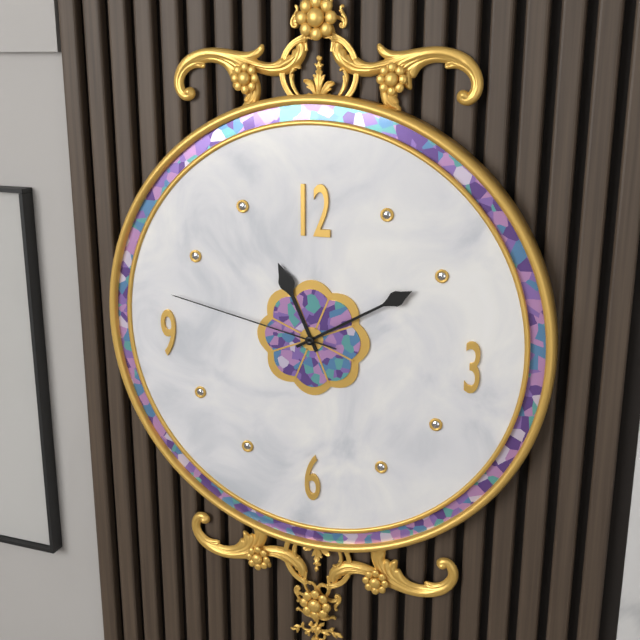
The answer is 11 h 10 min 47 s
